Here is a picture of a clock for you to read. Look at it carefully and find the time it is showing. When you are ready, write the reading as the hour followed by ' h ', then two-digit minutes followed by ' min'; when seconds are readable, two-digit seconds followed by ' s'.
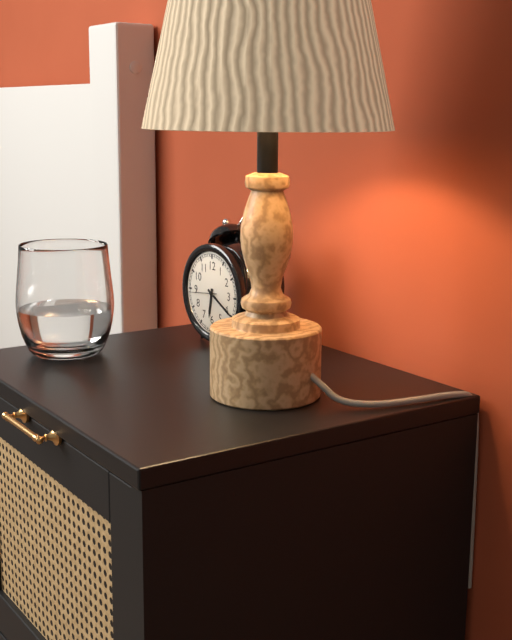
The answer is 6 h 20 min
